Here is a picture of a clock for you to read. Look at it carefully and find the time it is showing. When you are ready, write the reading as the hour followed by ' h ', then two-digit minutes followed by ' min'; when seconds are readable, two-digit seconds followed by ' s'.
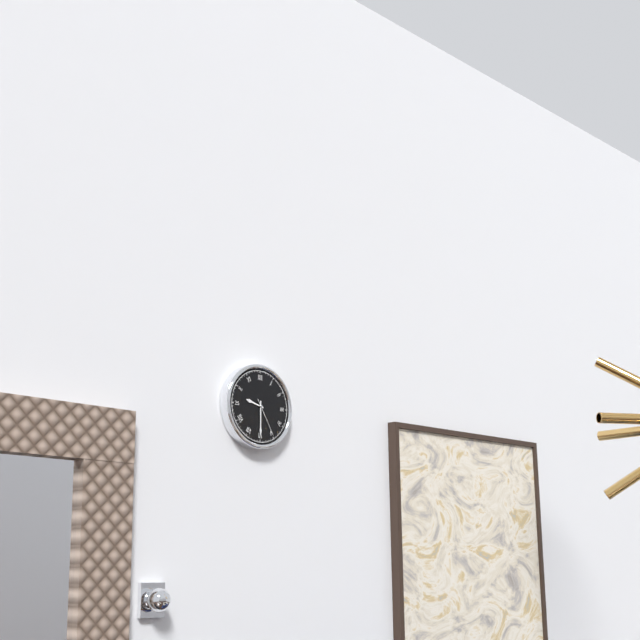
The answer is 9 h 30 min
